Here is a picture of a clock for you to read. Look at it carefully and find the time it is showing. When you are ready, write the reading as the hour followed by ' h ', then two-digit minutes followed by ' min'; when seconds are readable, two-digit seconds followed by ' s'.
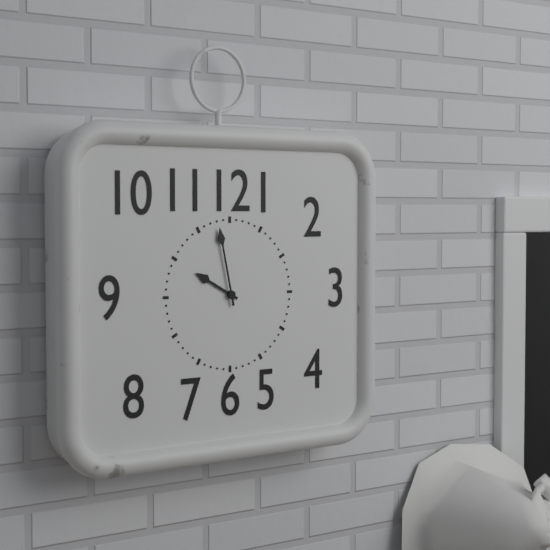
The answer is 9 h 58 min
